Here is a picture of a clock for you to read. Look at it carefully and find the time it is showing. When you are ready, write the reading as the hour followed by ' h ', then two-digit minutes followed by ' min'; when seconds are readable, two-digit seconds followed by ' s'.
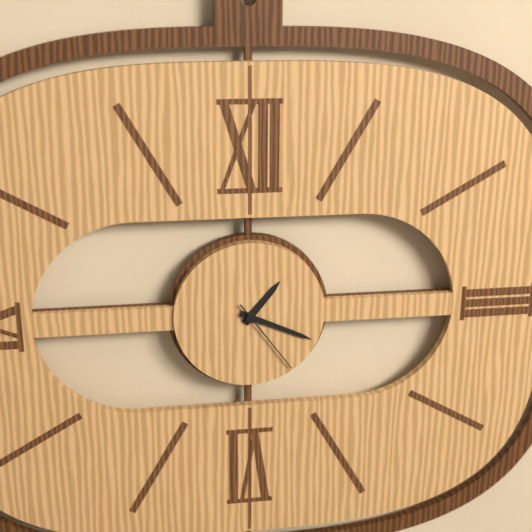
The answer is 1 h 19 min 24 s
